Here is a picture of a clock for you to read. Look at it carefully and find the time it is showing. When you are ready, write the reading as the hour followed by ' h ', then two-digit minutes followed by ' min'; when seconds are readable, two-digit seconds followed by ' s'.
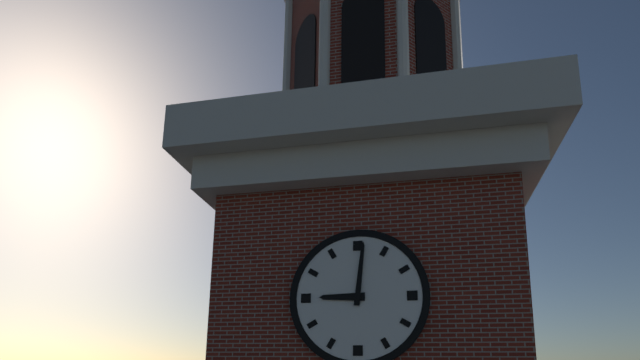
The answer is 9 h 01 min
